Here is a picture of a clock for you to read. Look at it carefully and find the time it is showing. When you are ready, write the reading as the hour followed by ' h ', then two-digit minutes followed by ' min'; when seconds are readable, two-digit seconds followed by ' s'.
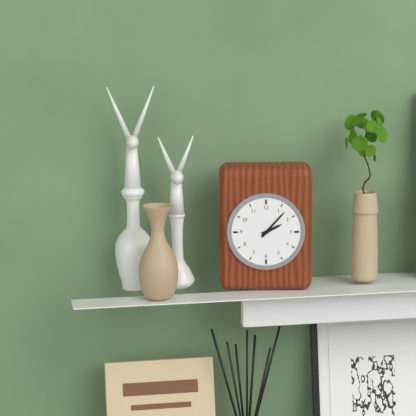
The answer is 2 h 07 min
